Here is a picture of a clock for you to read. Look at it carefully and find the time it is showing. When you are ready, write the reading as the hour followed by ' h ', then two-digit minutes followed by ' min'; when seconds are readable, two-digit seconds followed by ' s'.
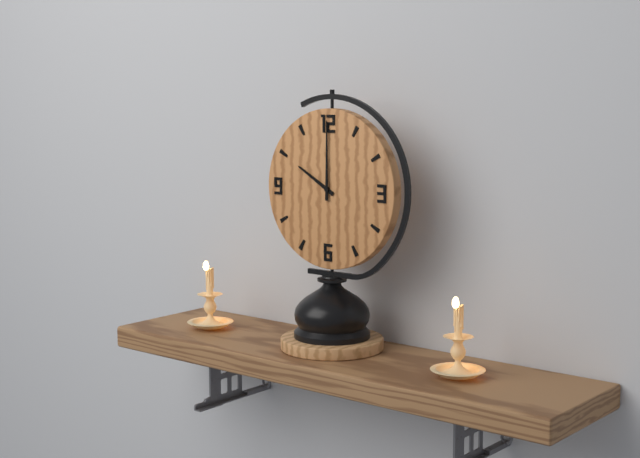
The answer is 10 h 00 min
